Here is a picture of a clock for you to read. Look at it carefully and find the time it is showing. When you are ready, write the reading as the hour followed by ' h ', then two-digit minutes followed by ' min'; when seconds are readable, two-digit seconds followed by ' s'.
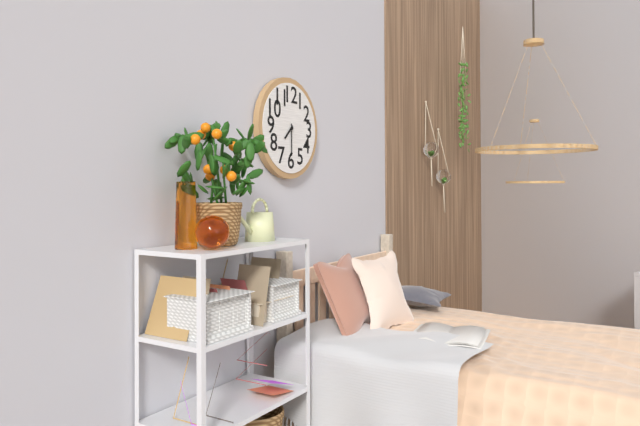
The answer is 7 h 30 min
